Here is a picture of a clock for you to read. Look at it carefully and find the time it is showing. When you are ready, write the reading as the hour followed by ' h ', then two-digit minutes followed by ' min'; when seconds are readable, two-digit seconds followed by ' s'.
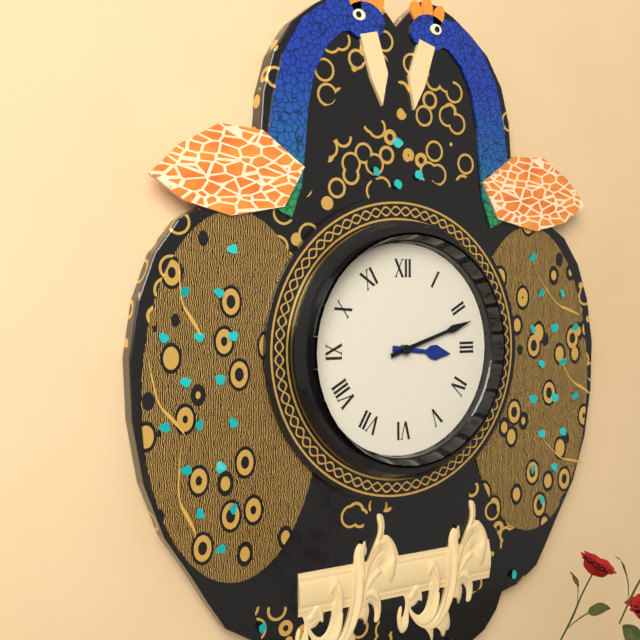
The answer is 3 h 12 min
